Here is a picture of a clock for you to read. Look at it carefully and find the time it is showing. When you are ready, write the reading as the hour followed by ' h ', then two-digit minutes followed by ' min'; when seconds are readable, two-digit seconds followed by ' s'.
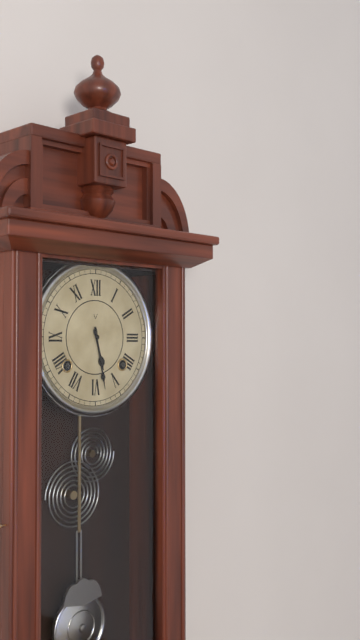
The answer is 5 h 28 min
